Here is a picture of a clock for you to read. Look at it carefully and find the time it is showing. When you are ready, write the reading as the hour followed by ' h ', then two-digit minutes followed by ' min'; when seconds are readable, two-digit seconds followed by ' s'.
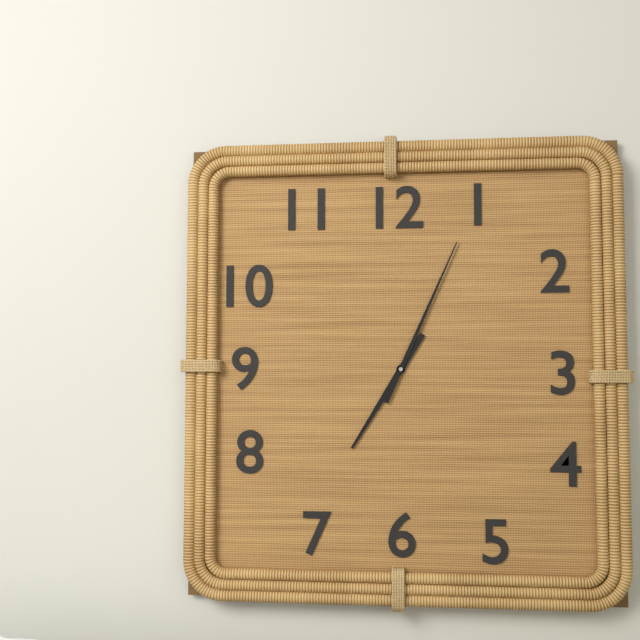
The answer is 7 h 04 min
